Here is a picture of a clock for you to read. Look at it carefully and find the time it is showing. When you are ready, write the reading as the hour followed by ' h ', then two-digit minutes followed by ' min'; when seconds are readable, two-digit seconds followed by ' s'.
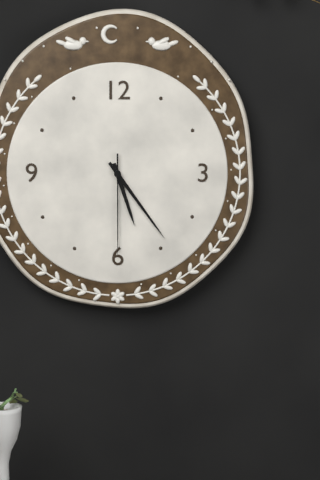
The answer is 5 h 24 min 30 s
